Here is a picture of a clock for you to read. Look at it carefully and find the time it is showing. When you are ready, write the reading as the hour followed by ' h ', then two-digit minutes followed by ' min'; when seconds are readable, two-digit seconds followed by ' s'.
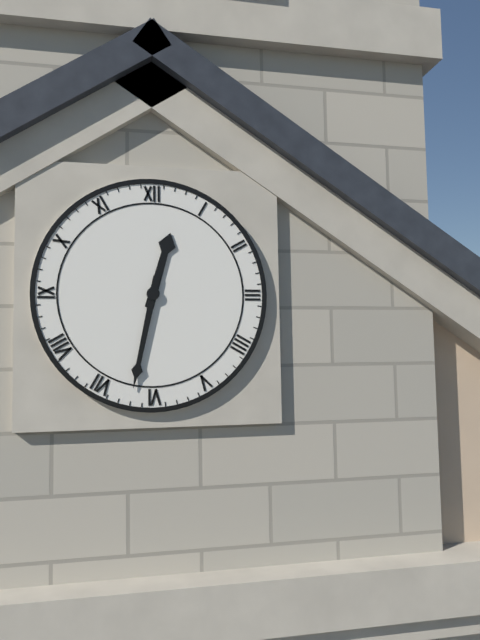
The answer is 12 h 32 min
